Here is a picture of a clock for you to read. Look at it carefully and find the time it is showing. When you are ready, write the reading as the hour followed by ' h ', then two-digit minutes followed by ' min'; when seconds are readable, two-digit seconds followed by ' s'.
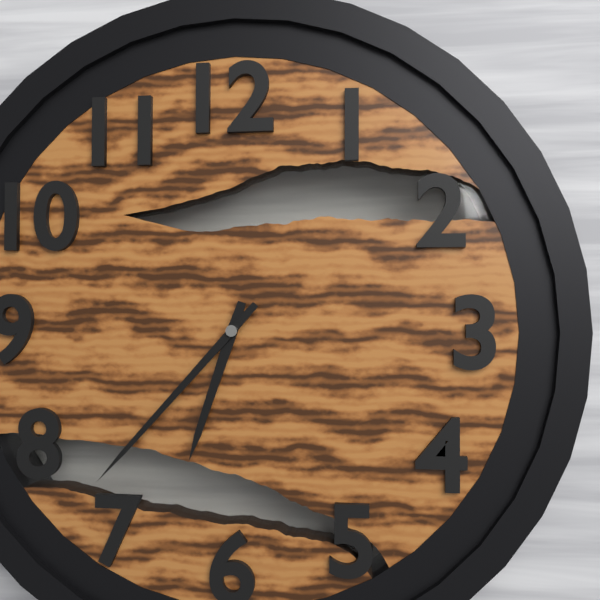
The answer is 6 h 37 min
